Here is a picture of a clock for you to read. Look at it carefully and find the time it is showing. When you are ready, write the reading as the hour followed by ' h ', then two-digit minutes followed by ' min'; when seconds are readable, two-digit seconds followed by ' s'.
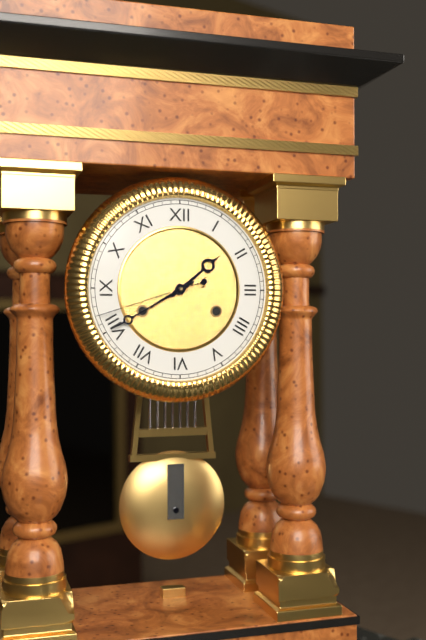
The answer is 1 h 40 min 42 s
